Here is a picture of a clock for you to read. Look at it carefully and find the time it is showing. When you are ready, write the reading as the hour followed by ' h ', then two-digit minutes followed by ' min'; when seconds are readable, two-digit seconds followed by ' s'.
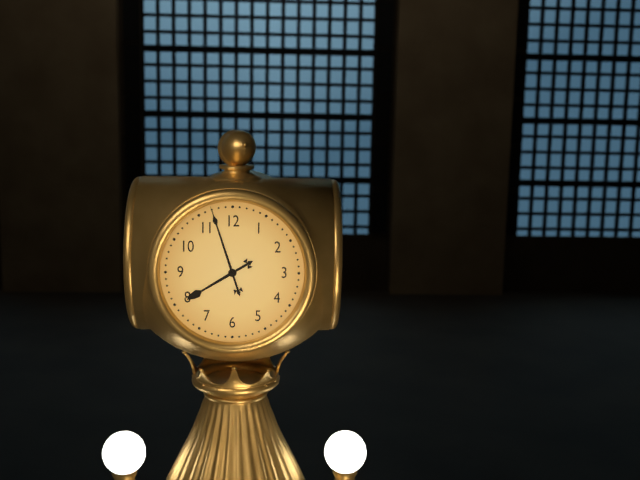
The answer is 7 h 57 min
